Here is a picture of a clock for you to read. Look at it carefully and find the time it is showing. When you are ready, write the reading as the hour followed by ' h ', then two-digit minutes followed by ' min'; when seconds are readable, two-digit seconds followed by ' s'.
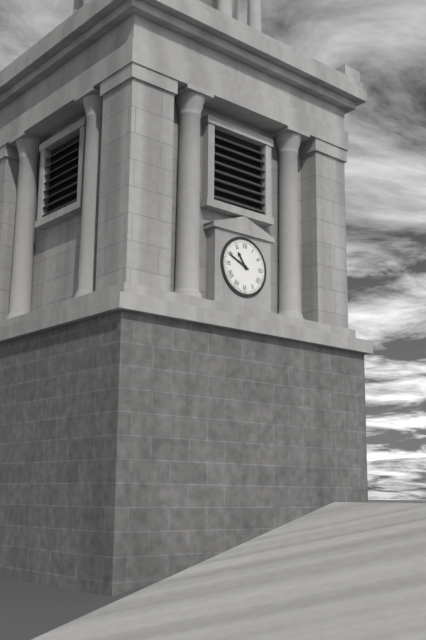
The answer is 10 h 49 min
